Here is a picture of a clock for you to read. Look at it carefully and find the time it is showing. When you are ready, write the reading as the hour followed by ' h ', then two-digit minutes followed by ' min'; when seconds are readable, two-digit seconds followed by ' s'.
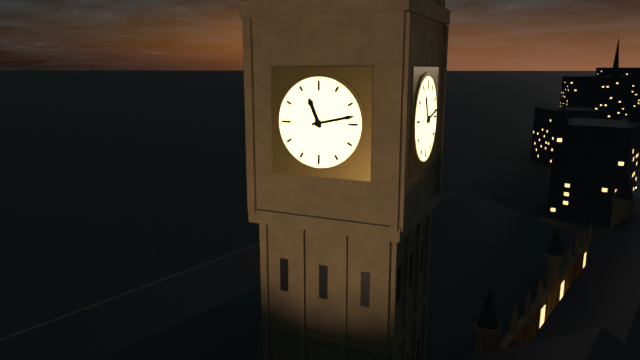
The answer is 11 h 13 min
